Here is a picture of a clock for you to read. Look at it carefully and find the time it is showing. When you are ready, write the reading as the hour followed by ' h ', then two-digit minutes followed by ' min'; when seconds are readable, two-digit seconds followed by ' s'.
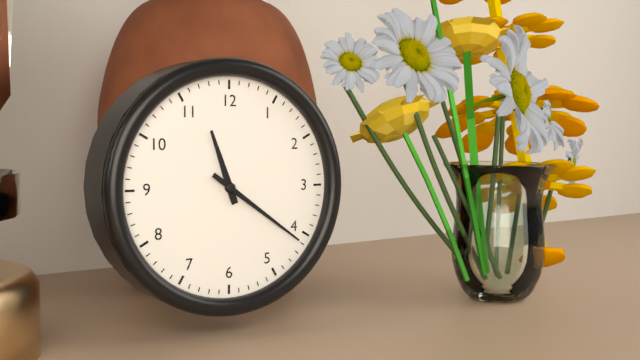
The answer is 11 h 21 min
